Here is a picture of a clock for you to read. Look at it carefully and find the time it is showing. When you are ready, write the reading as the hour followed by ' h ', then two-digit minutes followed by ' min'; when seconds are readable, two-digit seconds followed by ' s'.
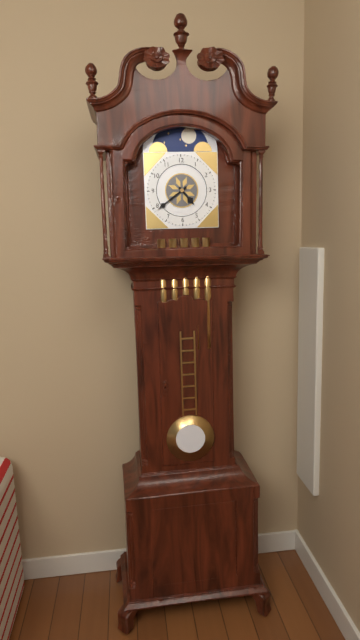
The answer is 4 h 39 min
